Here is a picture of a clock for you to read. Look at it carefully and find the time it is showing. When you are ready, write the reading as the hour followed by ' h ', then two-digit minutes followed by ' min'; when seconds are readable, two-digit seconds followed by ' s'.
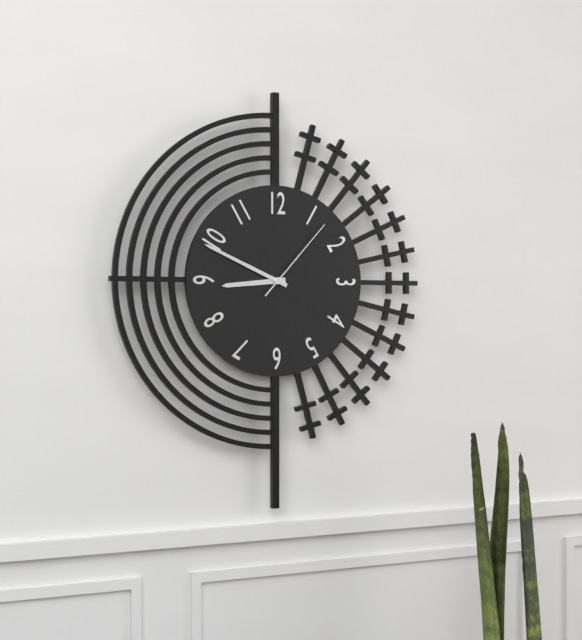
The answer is 8 h 49 min 07 s
